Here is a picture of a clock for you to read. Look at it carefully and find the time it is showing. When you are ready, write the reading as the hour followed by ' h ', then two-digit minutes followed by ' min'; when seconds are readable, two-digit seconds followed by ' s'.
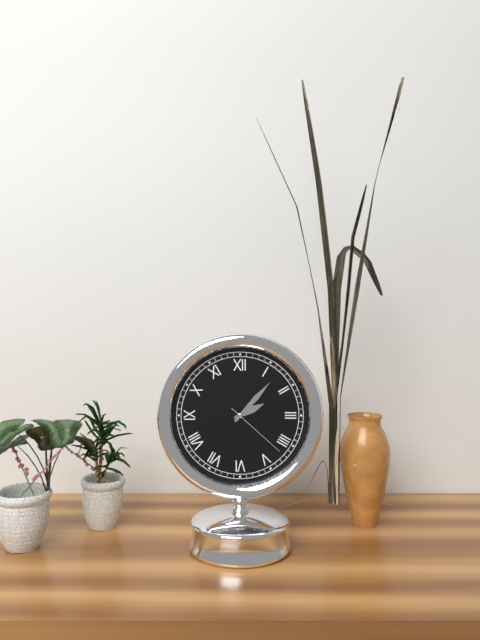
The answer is 2 h 07 min 22 s
